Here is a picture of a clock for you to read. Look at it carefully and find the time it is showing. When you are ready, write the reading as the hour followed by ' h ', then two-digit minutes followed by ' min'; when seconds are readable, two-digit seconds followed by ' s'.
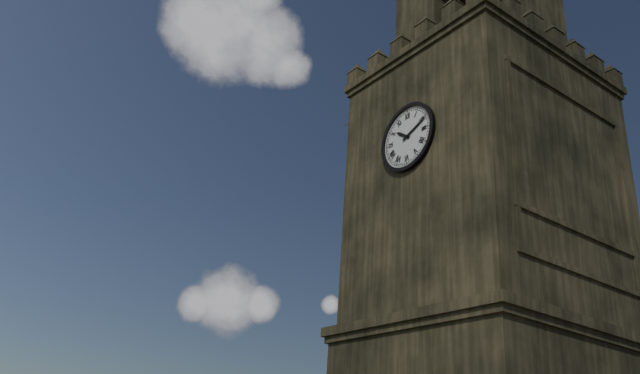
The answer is 10 h 11 min
